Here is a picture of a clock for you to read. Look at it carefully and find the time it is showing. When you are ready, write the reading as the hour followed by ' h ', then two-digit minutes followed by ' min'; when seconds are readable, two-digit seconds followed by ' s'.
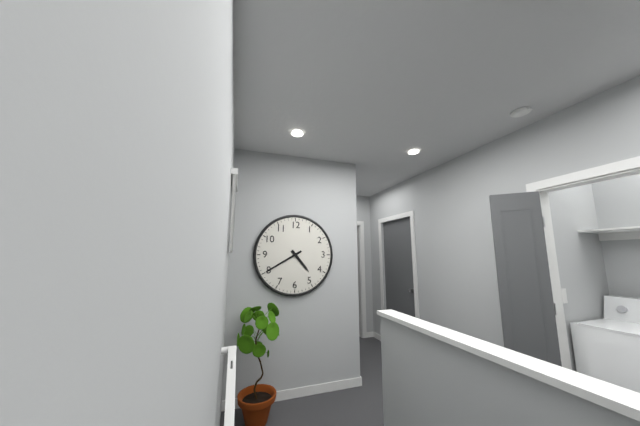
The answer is 4 h 40 min
